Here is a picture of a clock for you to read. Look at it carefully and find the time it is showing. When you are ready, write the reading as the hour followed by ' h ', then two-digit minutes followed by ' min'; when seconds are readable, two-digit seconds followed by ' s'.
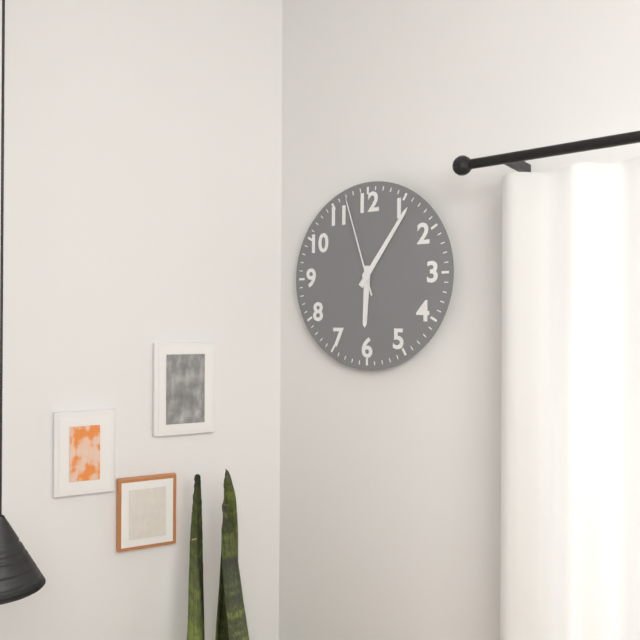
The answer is 6 h 06 min 57 s
